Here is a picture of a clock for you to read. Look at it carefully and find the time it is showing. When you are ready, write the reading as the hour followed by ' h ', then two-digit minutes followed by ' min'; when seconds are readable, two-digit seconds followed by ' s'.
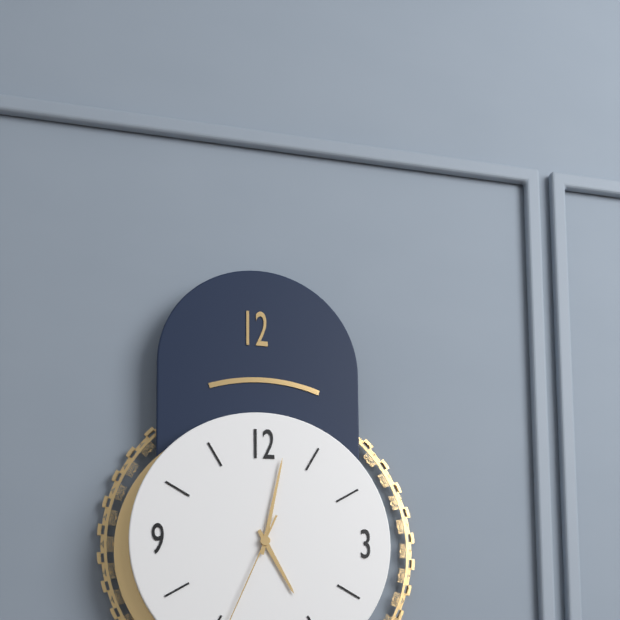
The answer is 5 h 02 min
